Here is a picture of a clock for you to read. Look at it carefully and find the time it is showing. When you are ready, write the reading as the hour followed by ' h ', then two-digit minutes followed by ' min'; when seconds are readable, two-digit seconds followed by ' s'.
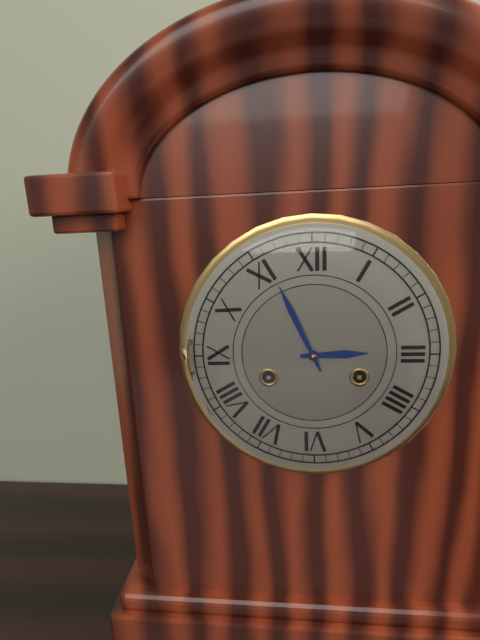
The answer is 2 h 56 min
